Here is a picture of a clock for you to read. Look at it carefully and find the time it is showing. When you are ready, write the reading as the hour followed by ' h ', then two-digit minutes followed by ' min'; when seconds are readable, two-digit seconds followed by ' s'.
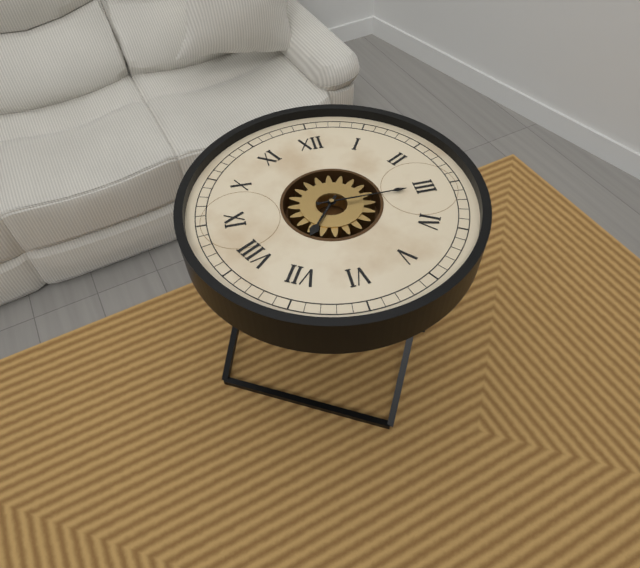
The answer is 7 h 15 min
